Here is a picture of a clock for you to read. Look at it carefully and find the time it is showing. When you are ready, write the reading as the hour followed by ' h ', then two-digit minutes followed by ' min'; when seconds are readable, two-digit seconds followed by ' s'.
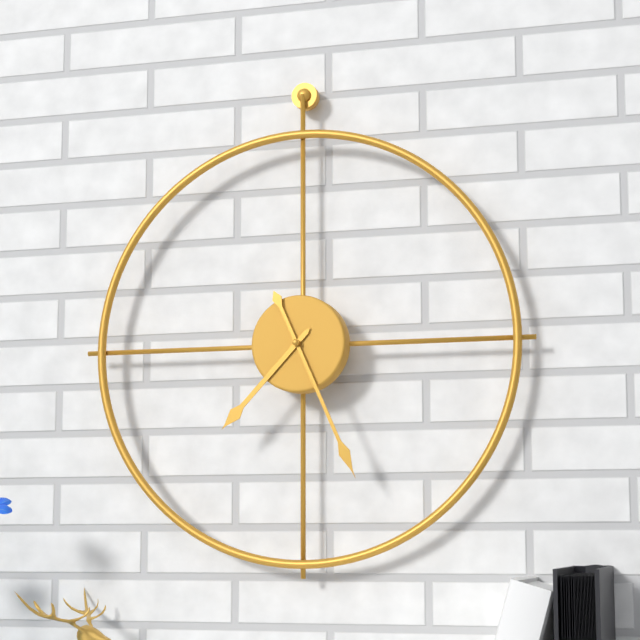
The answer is 7 h 26 min
